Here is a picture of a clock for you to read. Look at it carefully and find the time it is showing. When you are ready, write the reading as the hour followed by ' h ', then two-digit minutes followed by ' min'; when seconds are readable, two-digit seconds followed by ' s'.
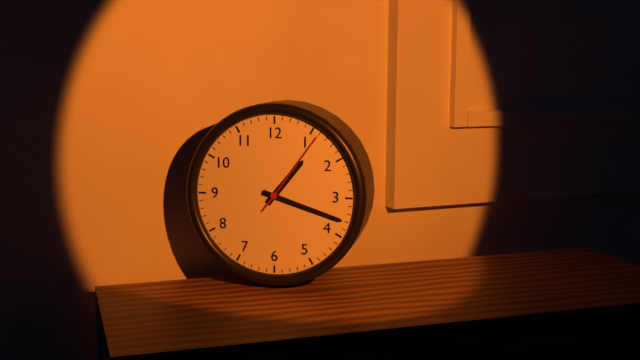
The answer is 1 h 18 min 06 s
